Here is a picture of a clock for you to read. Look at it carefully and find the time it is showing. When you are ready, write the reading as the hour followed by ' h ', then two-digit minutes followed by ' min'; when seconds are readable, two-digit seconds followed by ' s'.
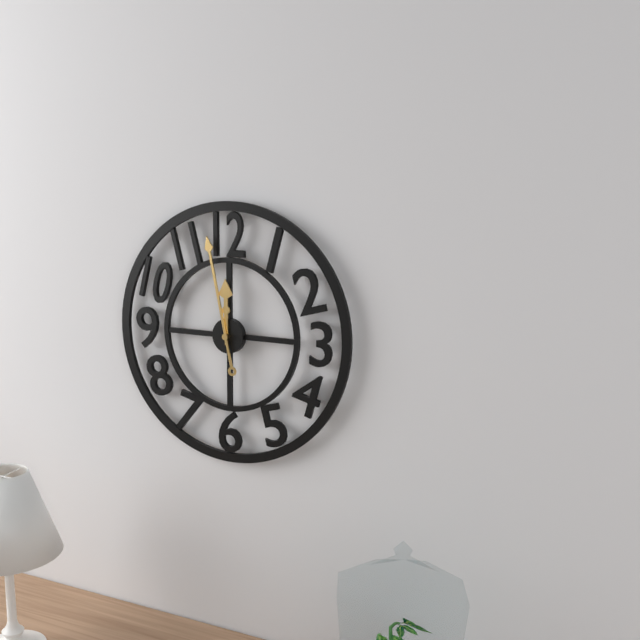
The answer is 11 h 58 min
